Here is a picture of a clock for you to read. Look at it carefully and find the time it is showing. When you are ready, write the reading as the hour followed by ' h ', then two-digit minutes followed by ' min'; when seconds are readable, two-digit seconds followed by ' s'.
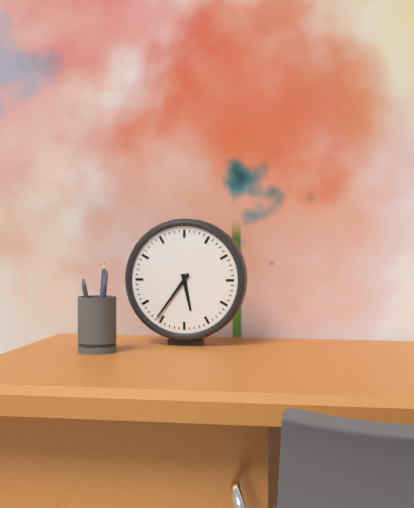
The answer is 5 h 36 min
